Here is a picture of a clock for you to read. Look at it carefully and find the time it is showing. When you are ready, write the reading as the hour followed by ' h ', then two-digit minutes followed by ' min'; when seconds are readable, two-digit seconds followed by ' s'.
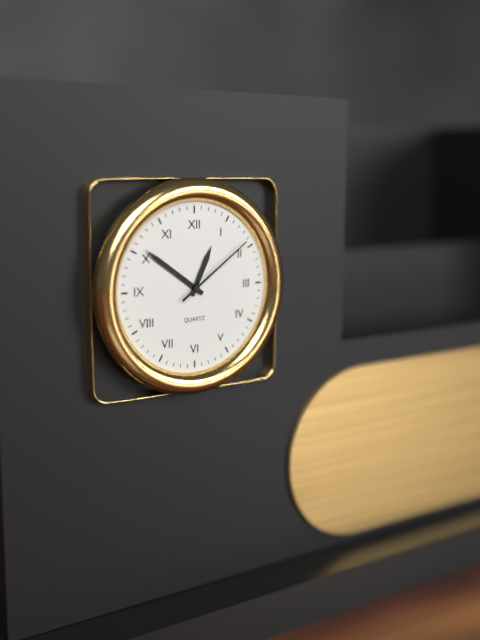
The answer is 12 h 51 min 09 s
